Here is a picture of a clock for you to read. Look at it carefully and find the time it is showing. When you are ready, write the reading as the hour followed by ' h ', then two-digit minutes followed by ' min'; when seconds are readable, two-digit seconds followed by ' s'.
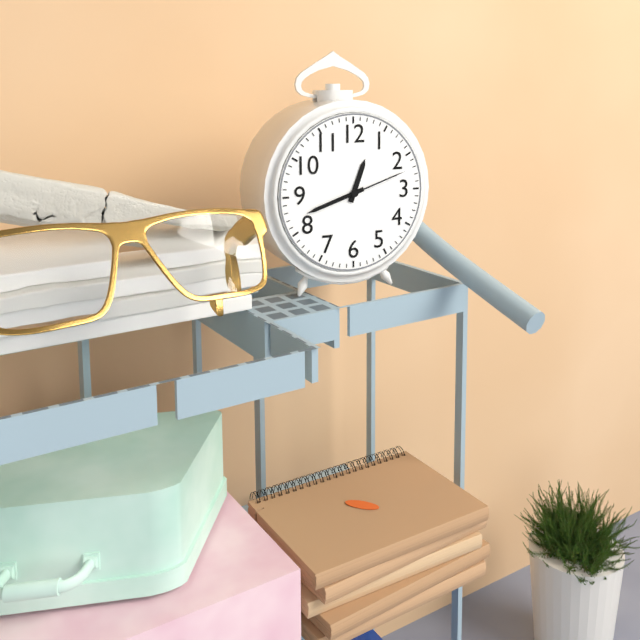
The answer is 12 h 42 min 12 s
